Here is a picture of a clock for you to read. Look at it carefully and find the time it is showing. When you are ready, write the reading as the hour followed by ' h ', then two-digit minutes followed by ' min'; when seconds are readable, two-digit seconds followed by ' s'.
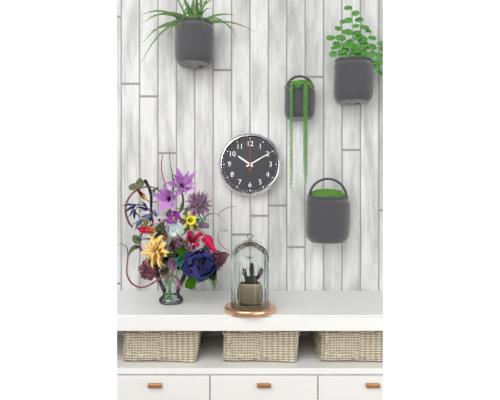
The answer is 10 h 10 min
